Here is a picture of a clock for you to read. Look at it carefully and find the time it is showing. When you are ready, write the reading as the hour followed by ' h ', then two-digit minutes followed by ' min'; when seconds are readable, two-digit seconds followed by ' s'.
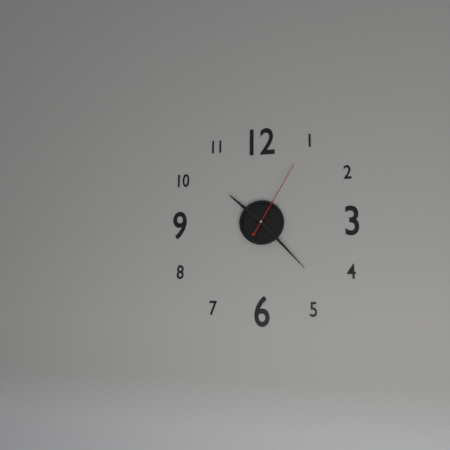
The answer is 10 h 23 min 05 s
